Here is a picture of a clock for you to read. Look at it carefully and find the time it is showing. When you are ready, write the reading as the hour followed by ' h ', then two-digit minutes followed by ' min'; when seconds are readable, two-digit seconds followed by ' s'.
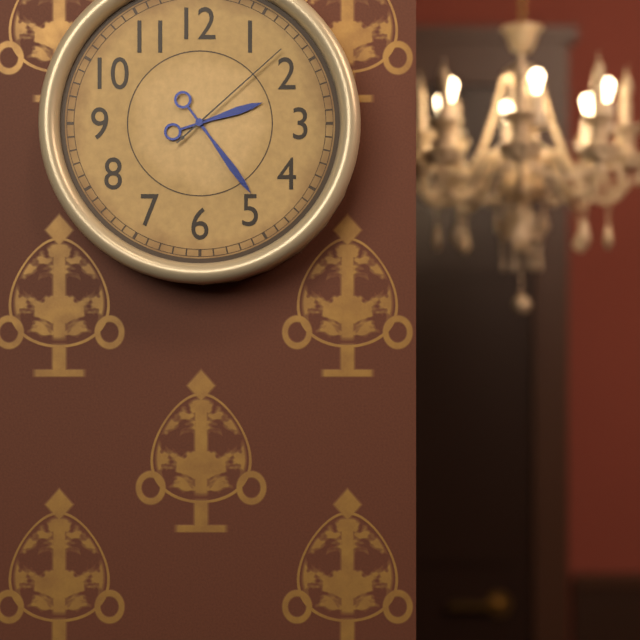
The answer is 2 h 24 min 08 s
